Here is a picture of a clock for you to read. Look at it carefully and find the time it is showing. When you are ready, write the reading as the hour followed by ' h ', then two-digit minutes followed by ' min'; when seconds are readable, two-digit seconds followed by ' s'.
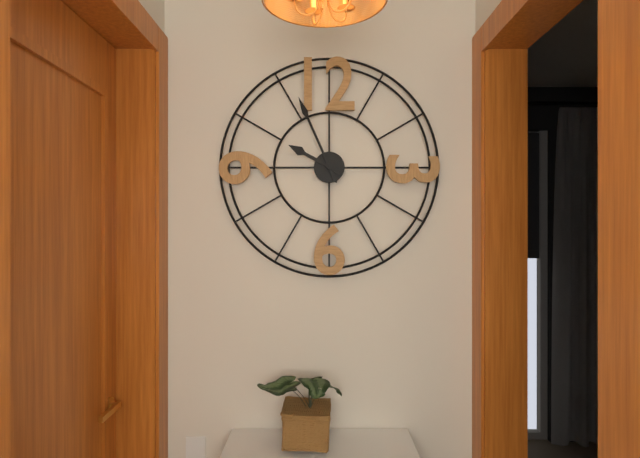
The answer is 9 h 56 min
